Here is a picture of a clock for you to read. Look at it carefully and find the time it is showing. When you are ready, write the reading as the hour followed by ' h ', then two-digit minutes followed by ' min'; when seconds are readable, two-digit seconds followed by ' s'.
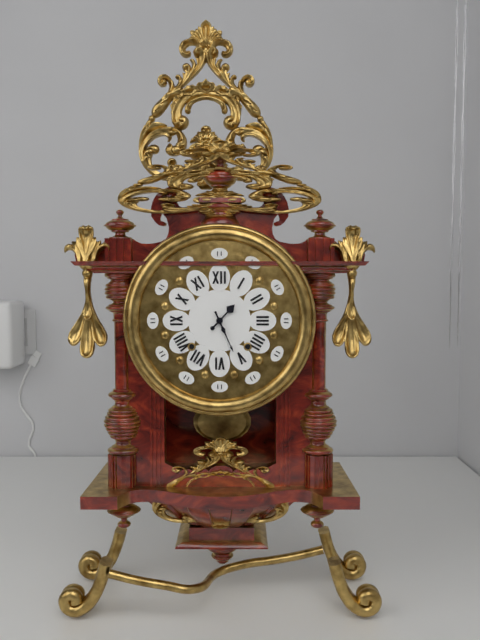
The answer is 1 h 26 min
